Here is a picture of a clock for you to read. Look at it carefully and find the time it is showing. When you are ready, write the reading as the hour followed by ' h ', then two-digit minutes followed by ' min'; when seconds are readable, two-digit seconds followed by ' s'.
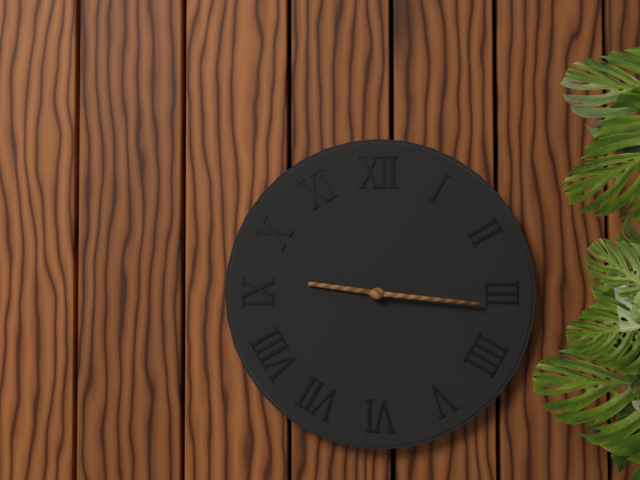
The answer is 9 h 16 min
